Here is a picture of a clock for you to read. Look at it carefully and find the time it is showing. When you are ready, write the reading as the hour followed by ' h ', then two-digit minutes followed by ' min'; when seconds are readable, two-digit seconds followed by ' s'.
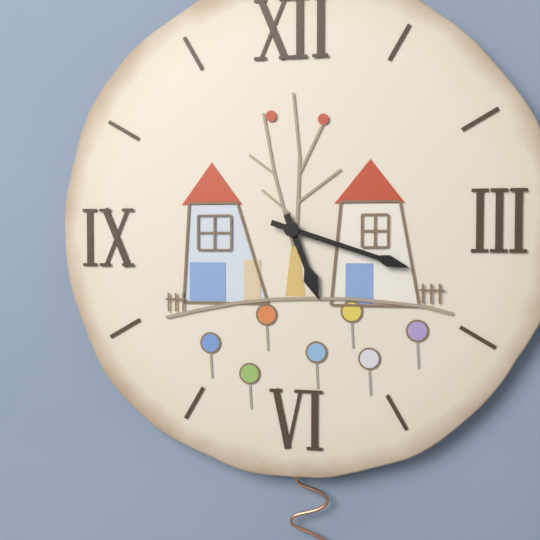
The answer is 5 h 18 min
